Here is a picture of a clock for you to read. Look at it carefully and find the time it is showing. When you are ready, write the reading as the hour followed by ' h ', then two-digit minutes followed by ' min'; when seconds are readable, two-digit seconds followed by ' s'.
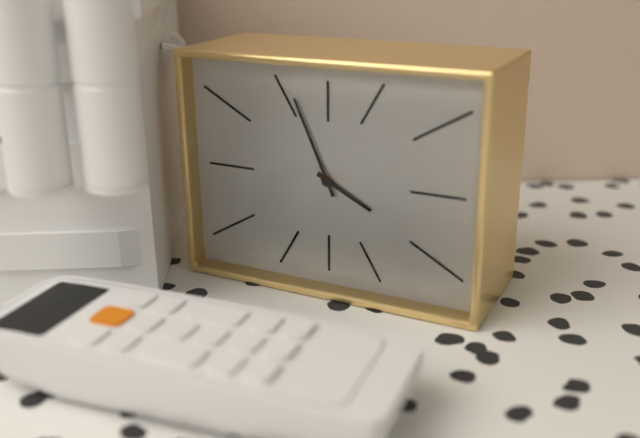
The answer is 3 h 56 min
